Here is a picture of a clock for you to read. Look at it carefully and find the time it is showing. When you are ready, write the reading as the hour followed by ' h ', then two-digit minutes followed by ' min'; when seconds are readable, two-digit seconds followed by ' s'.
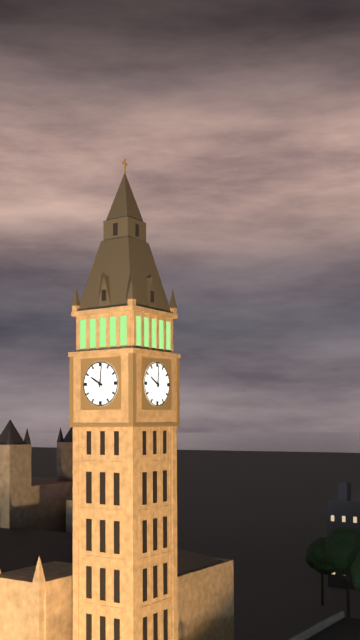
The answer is 10 h 01 min
